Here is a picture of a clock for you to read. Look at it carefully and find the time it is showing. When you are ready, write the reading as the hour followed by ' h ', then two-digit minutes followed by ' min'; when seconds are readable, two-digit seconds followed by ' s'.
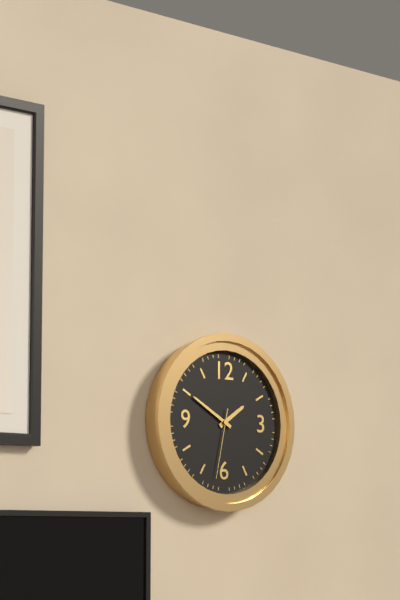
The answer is 1 h 50 min 32 s
